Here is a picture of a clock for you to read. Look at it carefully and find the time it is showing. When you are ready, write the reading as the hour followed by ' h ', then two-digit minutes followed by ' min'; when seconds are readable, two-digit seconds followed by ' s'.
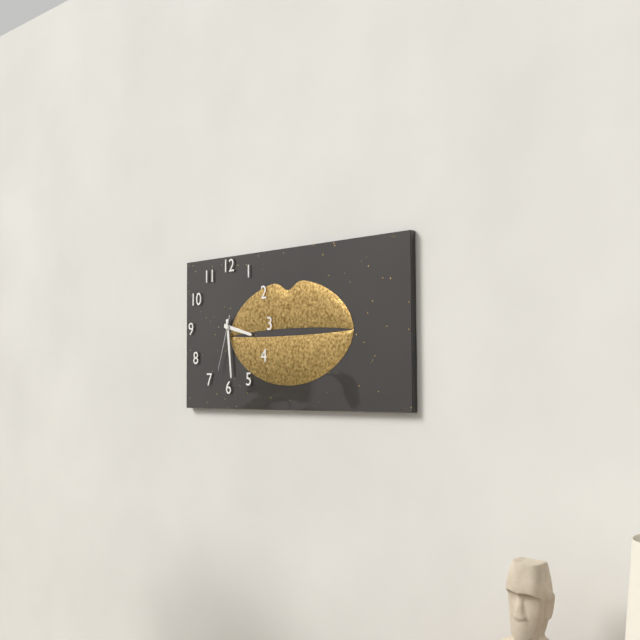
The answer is 3 h 29 min 33 s
